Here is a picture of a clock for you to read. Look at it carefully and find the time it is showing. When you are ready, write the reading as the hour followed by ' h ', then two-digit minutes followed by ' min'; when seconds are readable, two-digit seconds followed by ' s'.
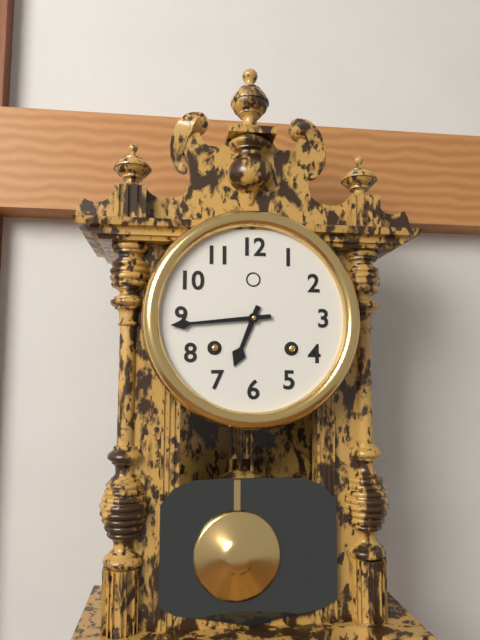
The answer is 6 h 44 min
